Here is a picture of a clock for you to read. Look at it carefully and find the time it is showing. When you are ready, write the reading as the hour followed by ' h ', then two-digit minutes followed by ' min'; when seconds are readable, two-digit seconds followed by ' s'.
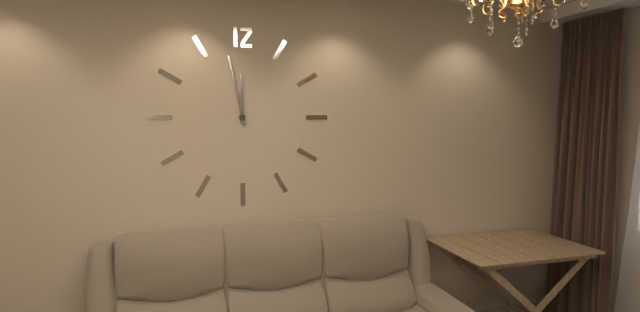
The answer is 11 h 58 min
